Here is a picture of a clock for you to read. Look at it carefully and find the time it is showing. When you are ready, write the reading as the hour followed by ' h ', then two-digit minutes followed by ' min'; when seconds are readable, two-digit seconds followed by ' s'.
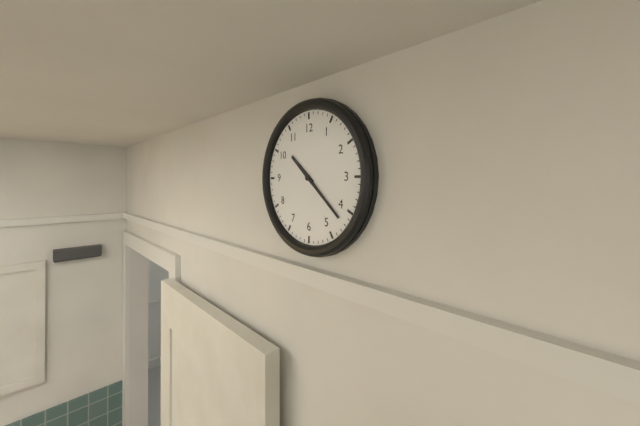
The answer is 10 h 22 min
